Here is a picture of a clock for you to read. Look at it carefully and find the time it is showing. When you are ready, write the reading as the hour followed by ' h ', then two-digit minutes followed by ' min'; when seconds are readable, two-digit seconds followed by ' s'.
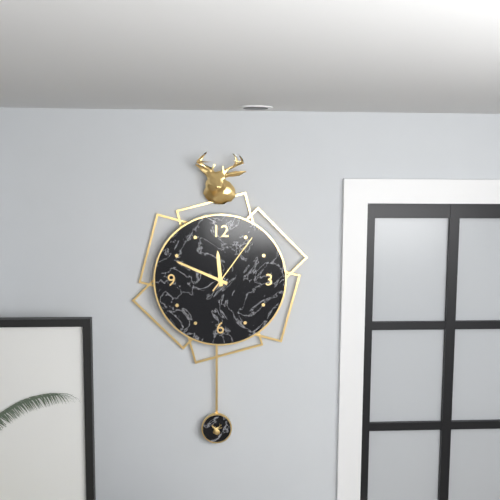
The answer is 11 h 49 min 06 s
